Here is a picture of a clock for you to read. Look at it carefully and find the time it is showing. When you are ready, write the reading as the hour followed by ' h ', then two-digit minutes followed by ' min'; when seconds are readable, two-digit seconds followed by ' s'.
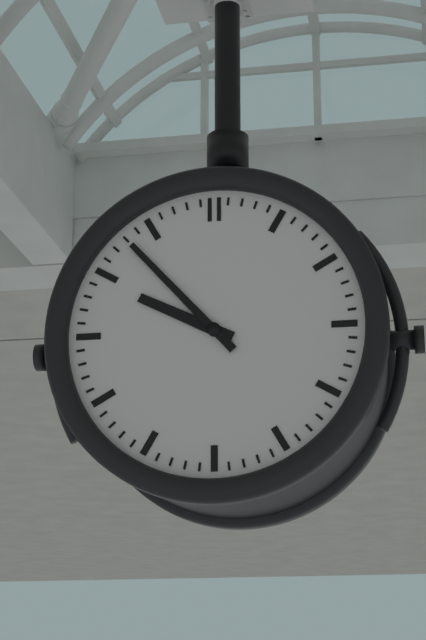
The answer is 9 h 53 min
